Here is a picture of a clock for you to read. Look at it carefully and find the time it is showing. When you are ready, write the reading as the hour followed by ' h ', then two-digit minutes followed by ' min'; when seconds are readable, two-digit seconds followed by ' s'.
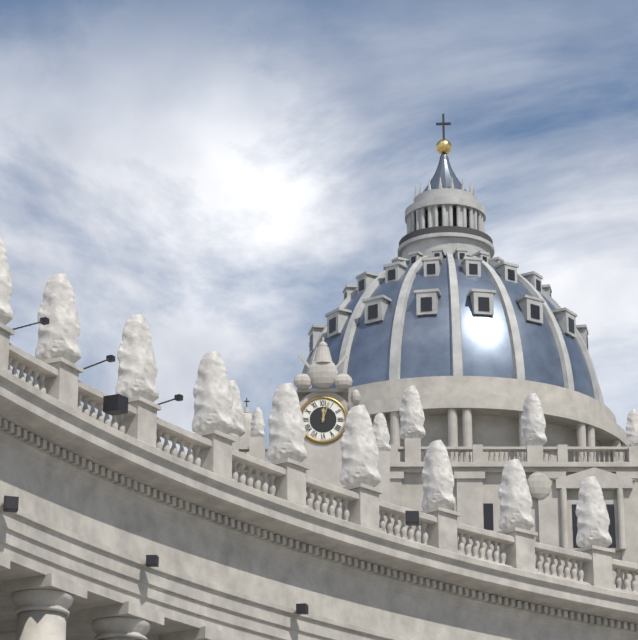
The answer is 12 h 03 min
